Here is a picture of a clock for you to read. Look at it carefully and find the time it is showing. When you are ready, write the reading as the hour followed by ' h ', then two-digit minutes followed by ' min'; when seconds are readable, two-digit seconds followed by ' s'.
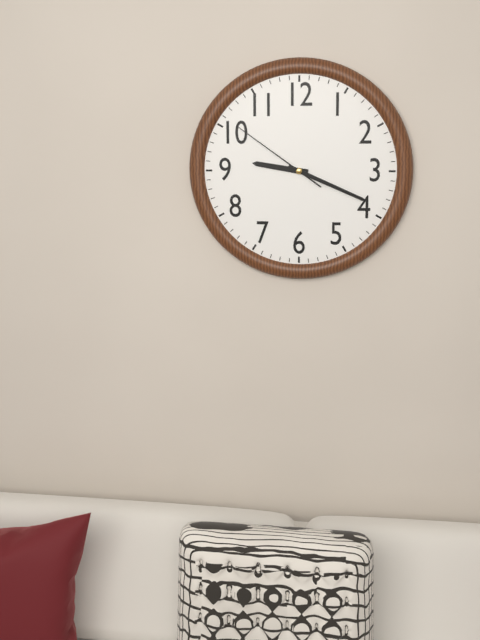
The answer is 9 h 19 min 51 s
